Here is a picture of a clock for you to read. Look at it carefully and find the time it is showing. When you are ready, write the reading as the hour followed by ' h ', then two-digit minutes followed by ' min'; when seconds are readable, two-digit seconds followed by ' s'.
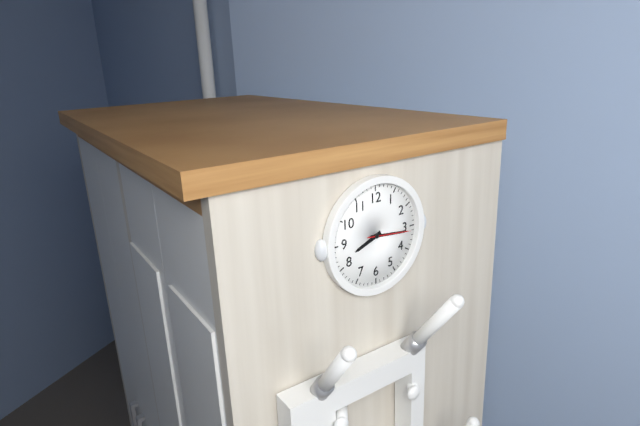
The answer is 8 h 16 min
